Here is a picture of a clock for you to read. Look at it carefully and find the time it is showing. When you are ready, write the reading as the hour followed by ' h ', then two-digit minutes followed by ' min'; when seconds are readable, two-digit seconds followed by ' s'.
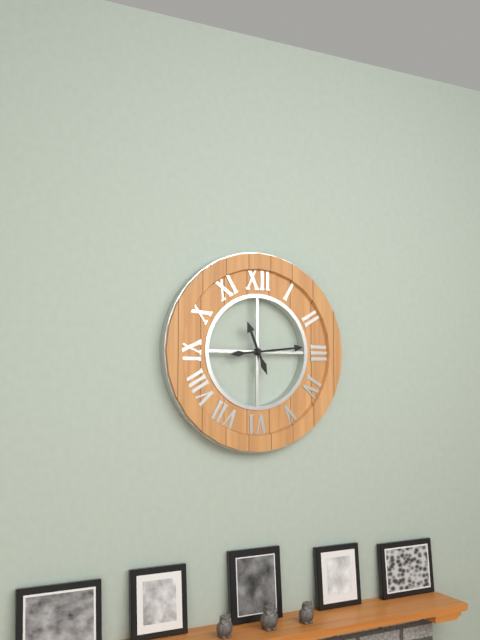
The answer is 11 h 14 min
